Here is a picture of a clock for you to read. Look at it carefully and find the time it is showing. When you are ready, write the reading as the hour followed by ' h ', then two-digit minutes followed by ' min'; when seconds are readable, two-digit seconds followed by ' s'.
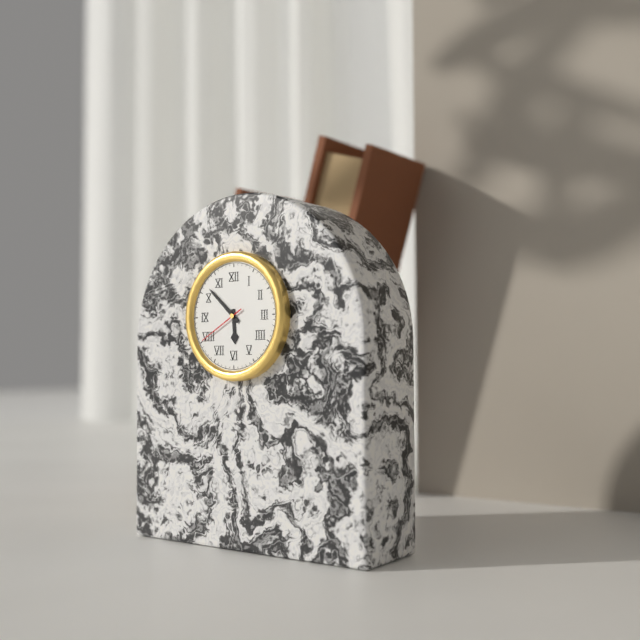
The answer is 5 h 52 min
